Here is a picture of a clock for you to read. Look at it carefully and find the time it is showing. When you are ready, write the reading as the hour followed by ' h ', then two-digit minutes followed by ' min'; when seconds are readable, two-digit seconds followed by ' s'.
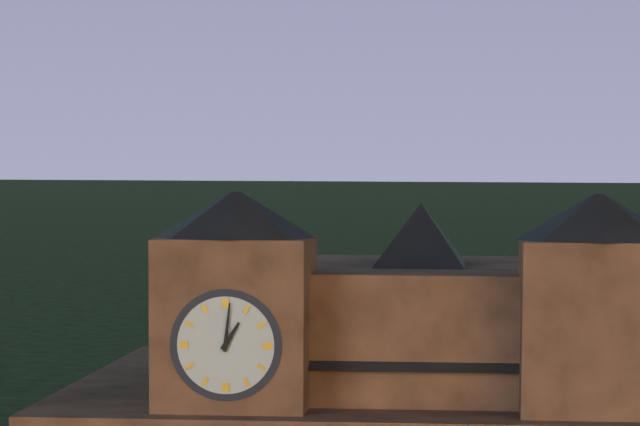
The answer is 1 h 01 min
